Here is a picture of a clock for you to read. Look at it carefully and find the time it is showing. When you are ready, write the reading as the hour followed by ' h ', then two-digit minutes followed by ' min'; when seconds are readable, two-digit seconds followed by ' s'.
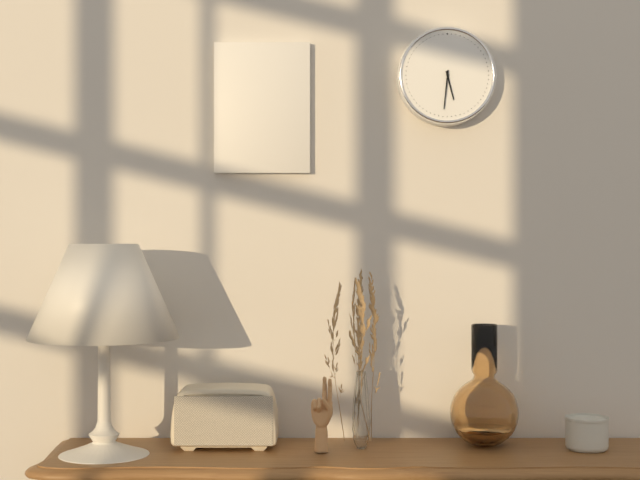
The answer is 5 h 31 min
